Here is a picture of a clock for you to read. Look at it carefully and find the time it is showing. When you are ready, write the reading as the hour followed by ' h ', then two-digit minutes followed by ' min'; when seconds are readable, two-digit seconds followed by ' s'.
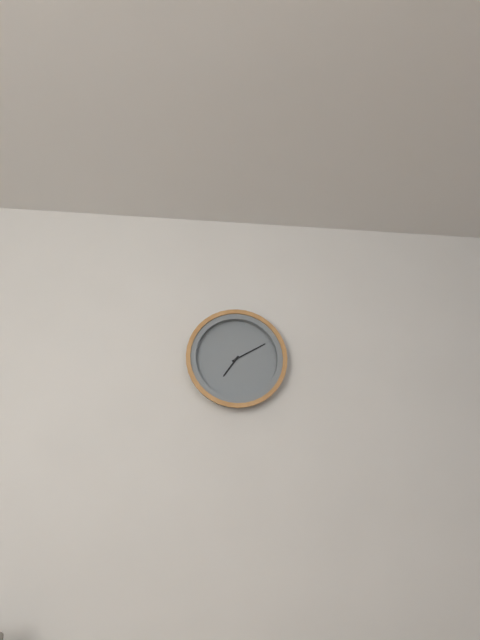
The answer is 7 h 10 min
